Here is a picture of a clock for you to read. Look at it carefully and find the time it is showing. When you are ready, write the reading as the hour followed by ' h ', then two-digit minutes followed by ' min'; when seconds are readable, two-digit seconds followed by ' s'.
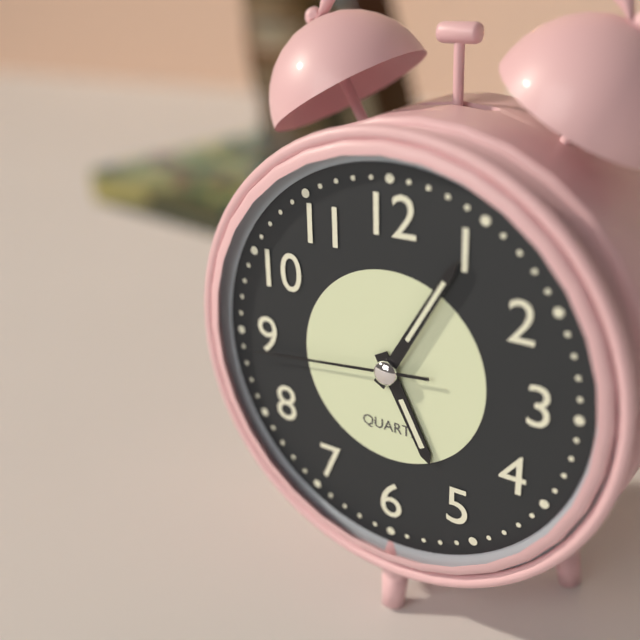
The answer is 5 h 05 min 44 s
